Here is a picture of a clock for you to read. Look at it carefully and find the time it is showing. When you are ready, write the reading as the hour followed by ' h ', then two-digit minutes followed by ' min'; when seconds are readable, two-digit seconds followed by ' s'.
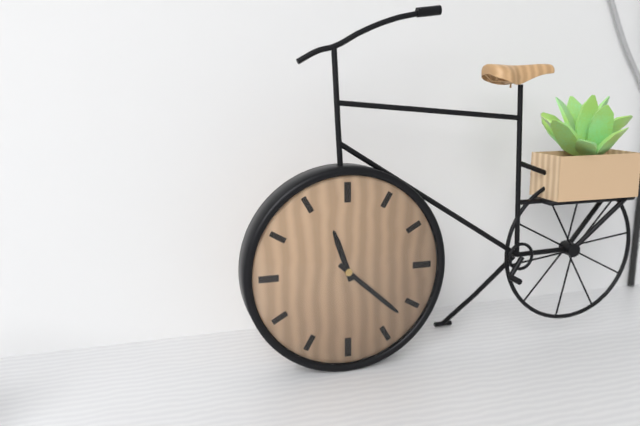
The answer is 11 h 22 min
